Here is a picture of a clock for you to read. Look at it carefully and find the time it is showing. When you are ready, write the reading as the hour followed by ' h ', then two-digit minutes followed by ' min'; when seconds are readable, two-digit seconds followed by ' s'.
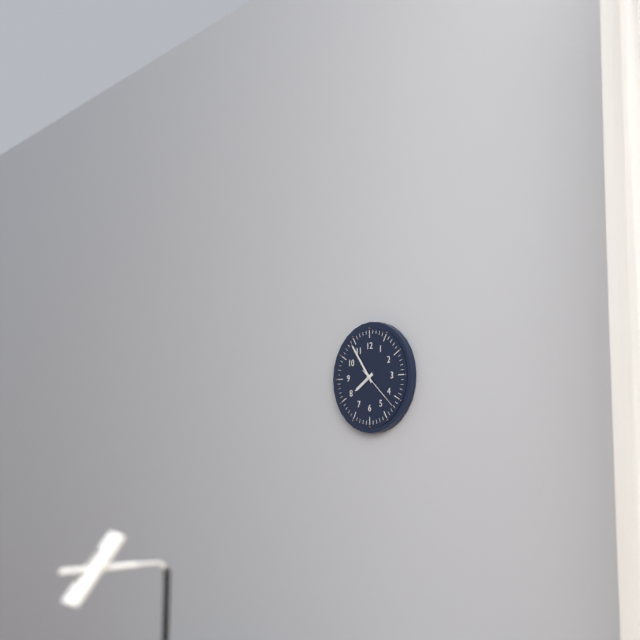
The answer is 7 h 54 min
